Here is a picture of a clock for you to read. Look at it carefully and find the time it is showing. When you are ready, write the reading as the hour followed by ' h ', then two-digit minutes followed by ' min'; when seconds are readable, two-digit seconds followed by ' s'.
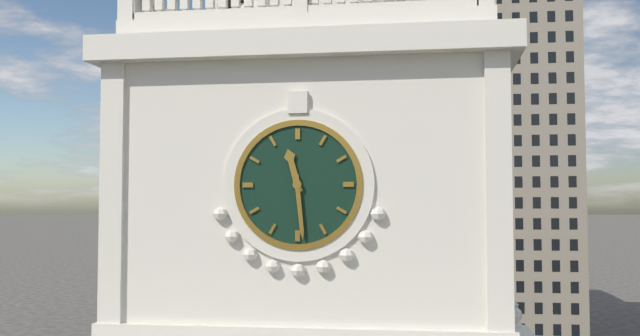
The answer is 11 h 29 min
